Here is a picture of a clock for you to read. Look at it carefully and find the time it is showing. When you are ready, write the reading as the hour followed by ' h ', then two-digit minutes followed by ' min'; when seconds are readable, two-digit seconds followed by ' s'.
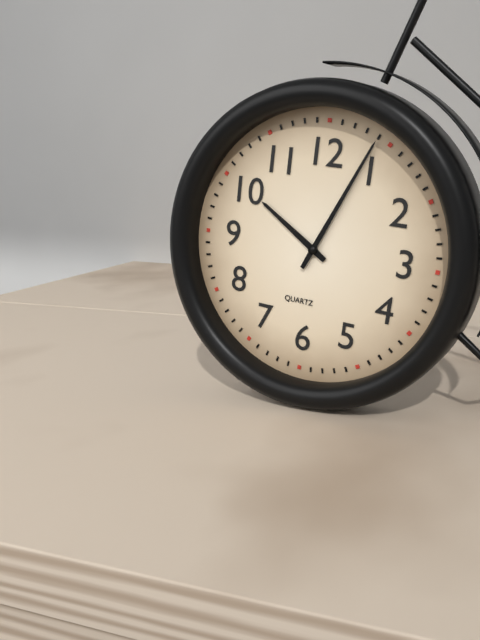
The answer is 10 h 04 min
